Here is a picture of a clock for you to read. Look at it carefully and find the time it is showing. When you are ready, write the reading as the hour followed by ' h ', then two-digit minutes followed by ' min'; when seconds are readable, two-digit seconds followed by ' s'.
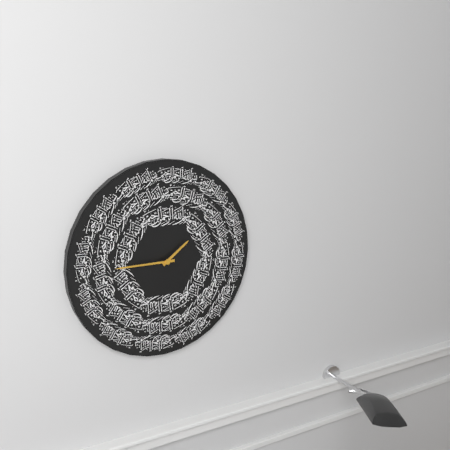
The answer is 1 h 45 min
